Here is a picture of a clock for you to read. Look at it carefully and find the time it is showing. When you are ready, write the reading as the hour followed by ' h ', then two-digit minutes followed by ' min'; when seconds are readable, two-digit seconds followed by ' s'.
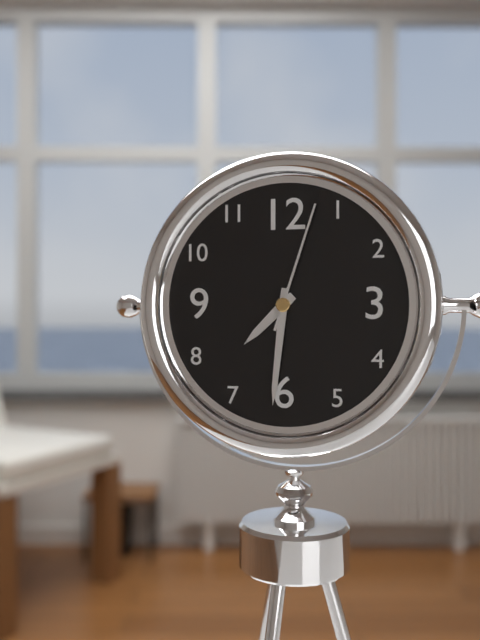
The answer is 7 h 31 min 03 s
